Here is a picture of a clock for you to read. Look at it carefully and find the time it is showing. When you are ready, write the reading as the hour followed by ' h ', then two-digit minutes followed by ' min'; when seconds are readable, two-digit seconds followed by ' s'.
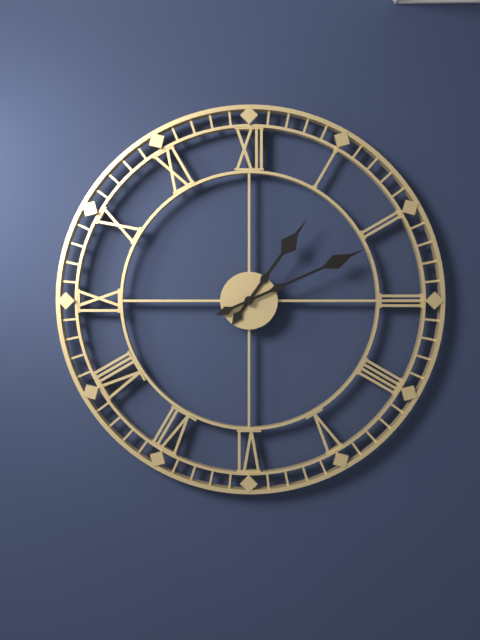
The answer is 1 h 11 min
